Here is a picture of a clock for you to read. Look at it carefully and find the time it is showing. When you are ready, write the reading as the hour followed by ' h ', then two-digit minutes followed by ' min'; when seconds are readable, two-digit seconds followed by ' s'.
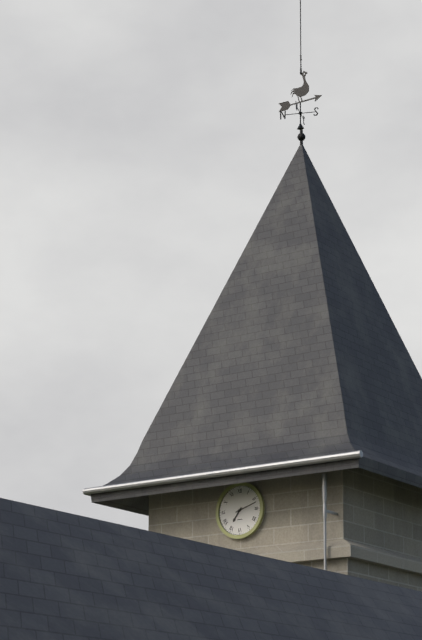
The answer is 7 h 12 min
